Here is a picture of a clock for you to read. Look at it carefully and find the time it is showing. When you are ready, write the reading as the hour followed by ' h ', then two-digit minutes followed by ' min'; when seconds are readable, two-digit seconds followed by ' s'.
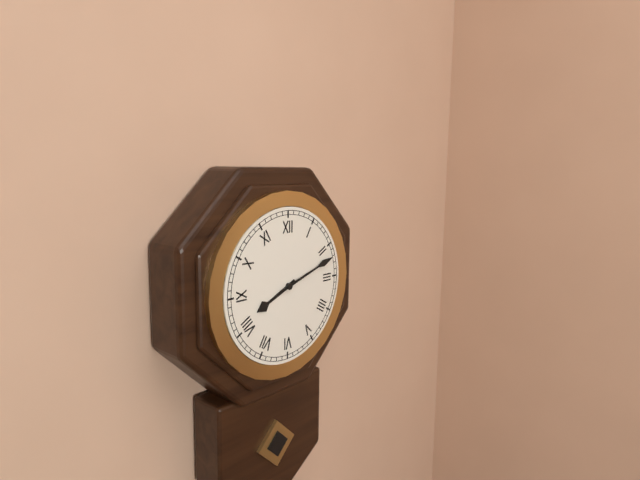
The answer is 8 h 12 min
